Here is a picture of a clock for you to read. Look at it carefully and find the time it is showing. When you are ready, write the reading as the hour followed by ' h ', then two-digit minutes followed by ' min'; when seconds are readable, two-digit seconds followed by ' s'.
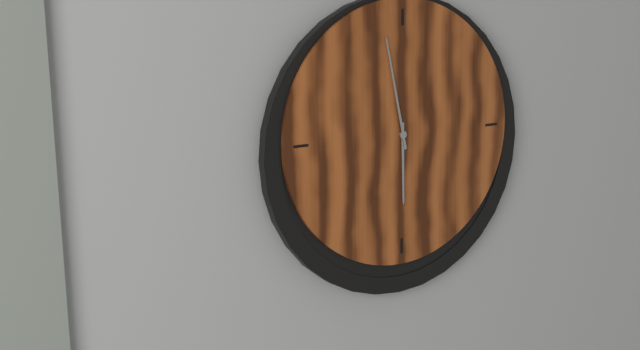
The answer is 5 h 58 min
